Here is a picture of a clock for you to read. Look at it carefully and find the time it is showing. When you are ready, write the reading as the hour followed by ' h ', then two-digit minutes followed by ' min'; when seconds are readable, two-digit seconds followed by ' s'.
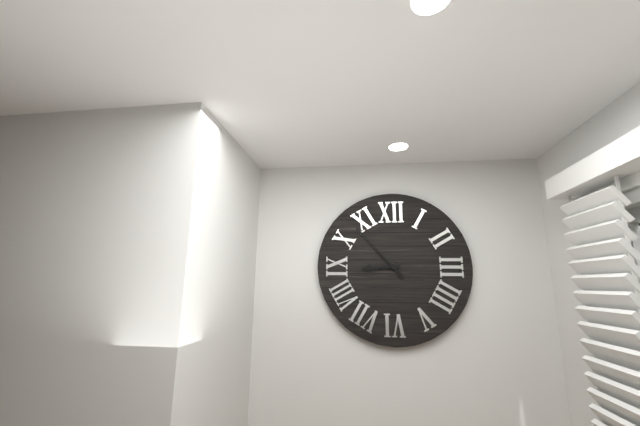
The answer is 8 h 53 min
